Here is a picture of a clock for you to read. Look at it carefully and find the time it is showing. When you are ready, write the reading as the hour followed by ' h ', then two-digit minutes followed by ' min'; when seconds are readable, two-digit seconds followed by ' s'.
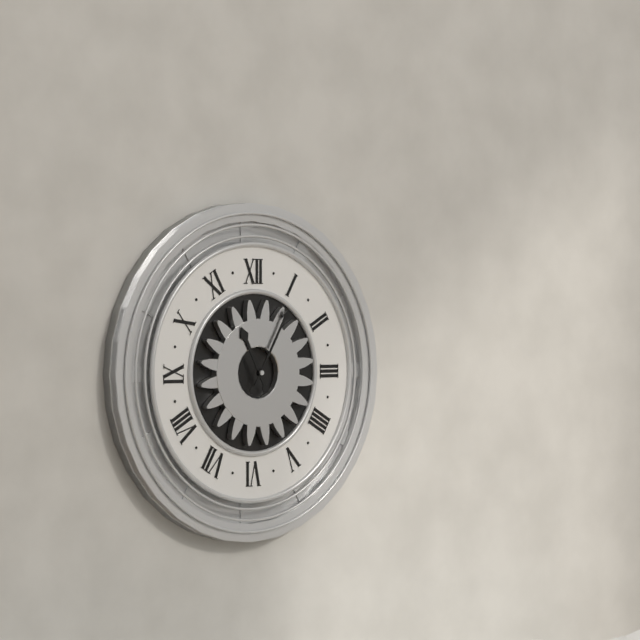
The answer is 11 h 05 min
